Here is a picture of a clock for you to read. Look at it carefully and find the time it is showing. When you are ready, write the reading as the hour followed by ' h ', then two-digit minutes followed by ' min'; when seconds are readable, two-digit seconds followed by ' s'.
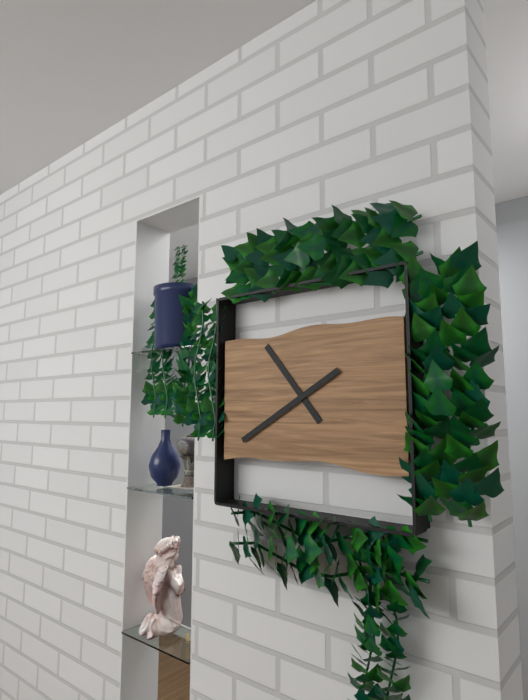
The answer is 10 h 40 min
